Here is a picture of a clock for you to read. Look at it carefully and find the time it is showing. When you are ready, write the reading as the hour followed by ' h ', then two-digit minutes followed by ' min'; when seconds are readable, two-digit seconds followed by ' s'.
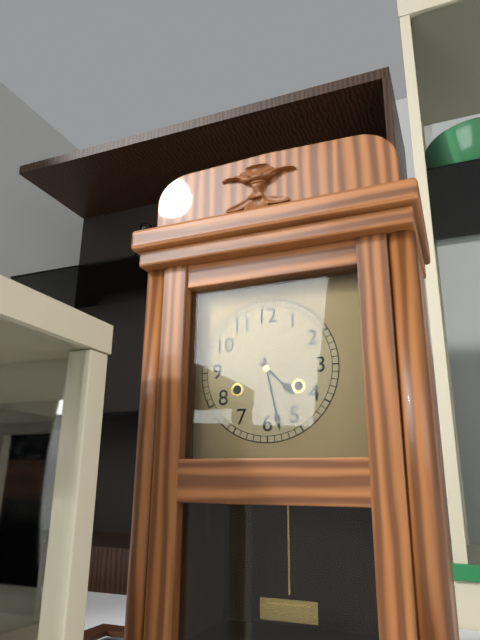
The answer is 4 h 28 min
